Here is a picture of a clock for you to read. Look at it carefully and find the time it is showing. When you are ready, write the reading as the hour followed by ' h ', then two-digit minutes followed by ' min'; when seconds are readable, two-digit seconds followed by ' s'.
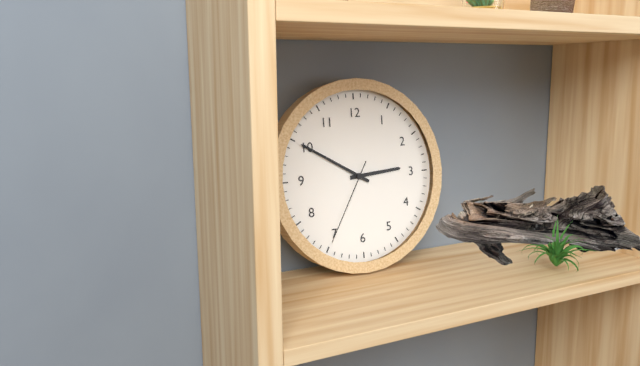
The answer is 2 h 50 min 35 s
